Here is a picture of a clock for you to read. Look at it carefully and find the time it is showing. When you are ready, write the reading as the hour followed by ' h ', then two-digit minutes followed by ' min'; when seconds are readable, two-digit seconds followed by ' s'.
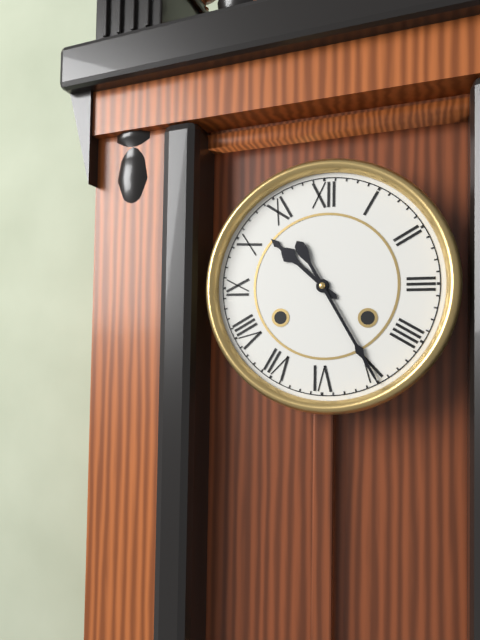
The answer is 10 h 25 min
